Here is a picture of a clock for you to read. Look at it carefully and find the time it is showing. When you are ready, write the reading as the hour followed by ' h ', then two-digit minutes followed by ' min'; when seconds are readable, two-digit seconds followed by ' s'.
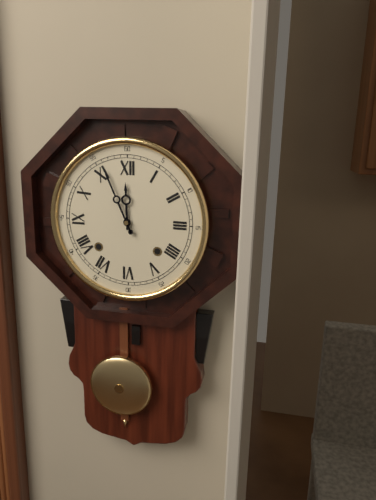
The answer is 11 h 56 min
